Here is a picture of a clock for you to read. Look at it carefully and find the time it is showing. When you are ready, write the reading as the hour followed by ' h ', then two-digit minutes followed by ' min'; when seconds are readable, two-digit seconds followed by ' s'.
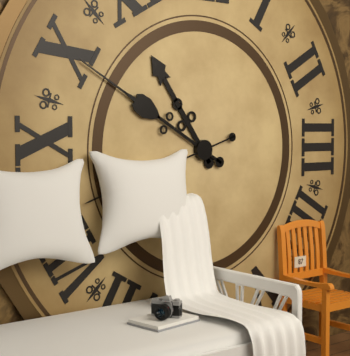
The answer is 10 h 50 min
